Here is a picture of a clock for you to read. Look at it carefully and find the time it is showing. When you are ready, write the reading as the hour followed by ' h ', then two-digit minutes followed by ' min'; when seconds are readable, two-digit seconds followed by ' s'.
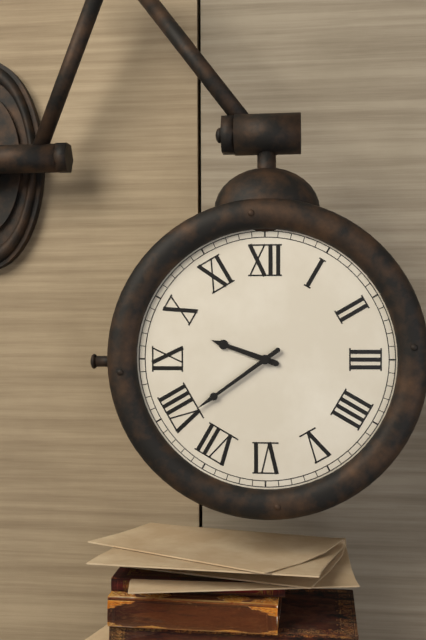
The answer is 9 h 39 min
